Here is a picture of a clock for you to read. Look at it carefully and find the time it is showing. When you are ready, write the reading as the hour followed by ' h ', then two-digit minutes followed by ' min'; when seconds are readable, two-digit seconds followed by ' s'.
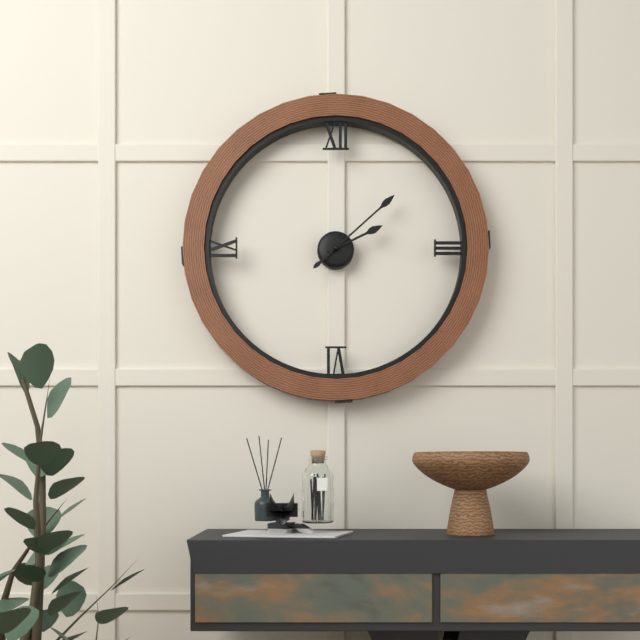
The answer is 2 h 08 min
